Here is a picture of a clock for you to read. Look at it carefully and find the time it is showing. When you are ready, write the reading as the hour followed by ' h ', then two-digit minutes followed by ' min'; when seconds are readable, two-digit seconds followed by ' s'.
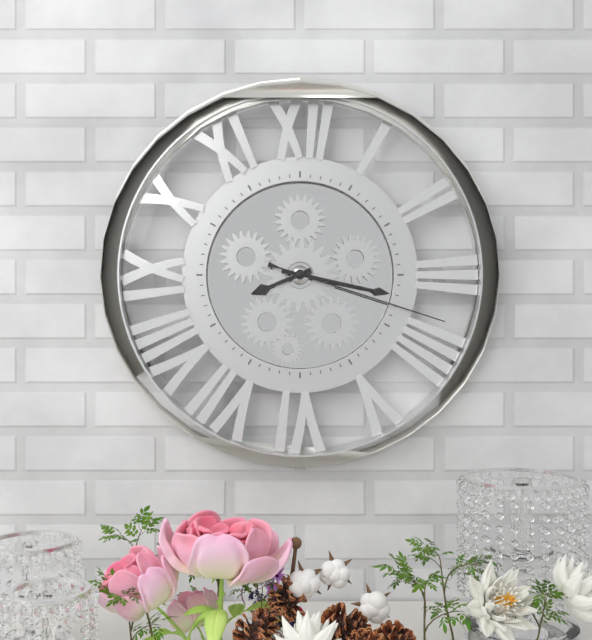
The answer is 8 h 17 min 18 s
